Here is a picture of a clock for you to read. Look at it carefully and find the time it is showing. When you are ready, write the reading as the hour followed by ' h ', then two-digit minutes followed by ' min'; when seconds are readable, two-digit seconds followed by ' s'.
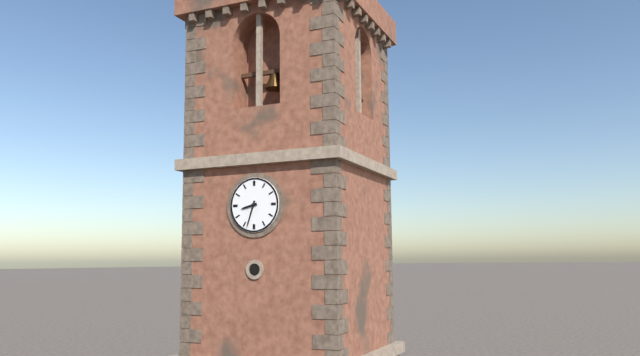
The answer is 8 h 33 min
